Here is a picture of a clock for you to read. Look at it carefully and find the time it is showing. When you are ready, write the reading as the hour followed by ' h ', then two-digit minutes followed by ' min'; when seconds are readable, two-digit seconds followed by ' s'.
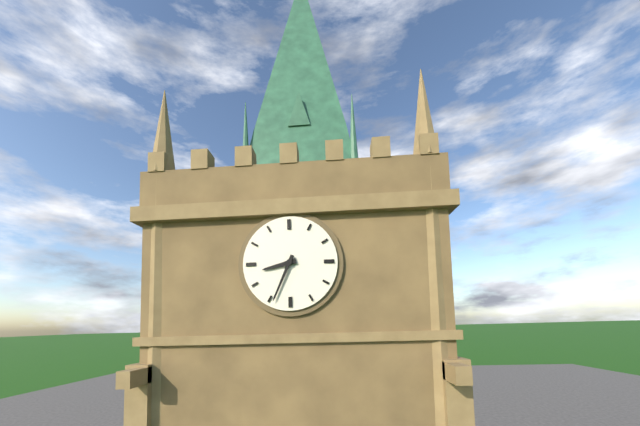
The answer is 8 h 34 min
